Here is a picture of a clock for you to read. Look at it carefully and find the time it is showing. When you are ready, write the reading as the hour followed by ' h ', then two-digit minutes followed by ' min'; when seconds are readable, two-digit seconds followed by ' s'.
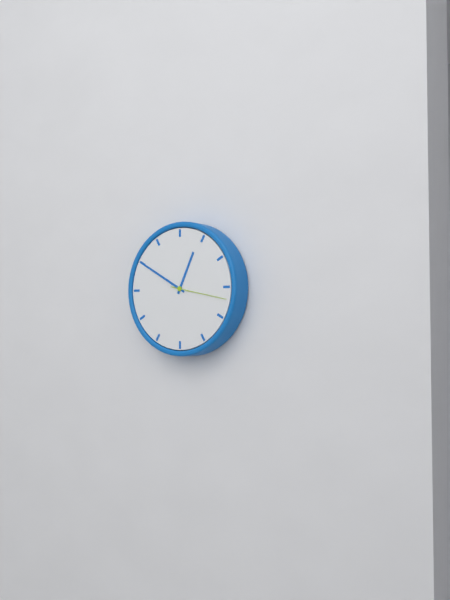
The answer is 12 h 50 min 17 s
